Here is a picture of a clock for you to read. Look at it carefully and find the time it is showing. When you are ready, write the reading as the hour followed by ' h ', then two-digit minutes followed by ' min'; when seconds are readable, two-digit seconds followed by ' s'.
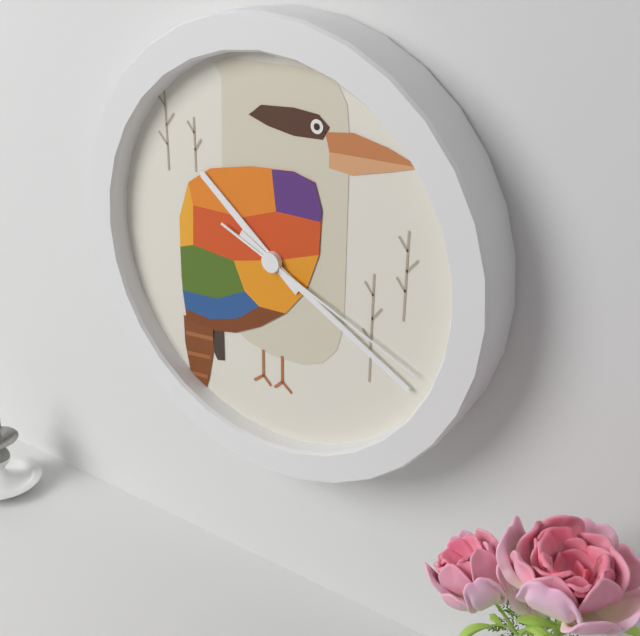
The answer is 10 h 20 min 19 s
